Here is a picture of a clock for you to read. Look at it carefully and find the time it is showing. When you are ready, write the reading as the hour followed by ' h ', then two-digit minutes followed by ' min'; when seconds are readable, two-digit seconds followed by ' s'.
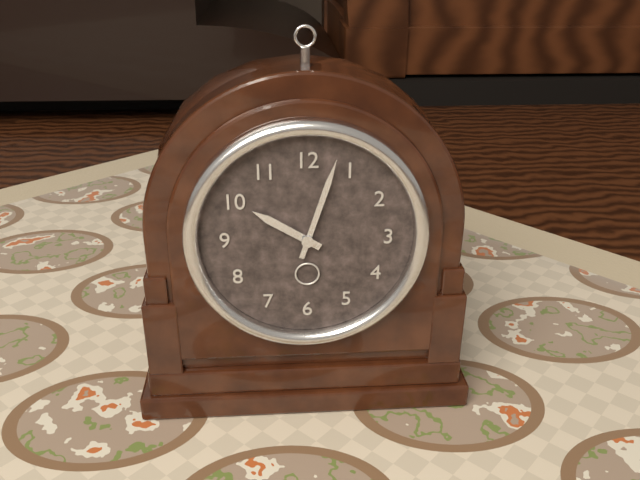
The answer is 10 h 03 min
